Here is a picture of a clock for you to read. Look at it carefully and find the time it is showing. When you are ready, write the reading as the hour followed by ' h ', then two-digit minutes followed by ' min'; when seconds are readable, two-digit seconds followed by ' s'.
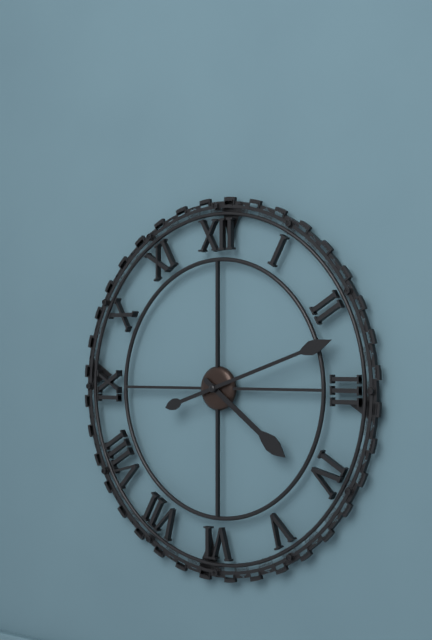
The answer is 4 h 12 min
